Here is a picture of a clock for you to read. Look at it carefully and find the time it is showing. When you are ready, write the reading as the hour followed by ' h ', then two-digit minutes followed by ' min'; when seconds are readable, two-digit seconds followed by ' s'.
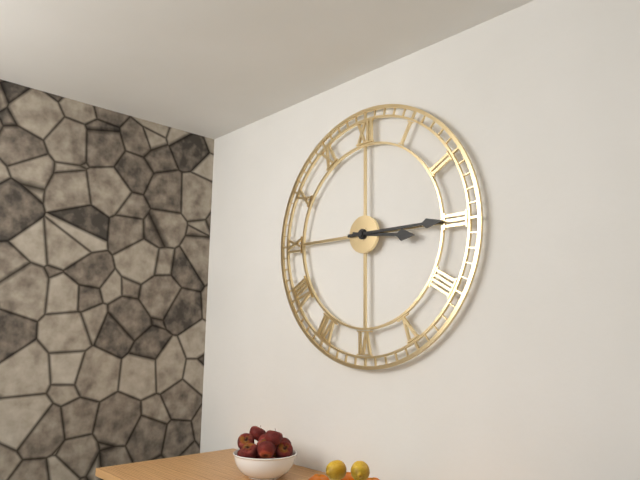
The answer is 3 h 15 min
